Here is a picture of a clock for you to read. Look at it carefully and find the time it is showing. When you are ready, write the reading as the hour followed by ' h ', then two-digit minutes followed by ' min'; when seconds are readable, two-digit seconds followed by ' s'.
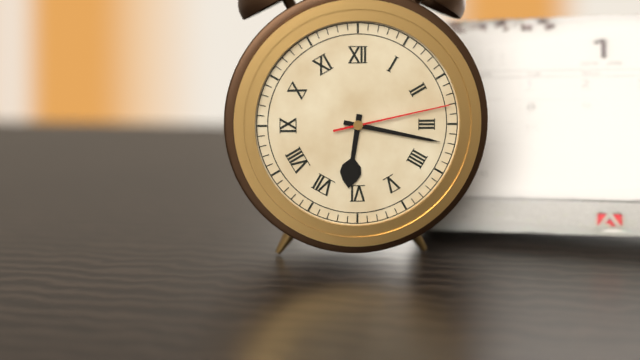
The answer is 6 h 17 min 13 s
